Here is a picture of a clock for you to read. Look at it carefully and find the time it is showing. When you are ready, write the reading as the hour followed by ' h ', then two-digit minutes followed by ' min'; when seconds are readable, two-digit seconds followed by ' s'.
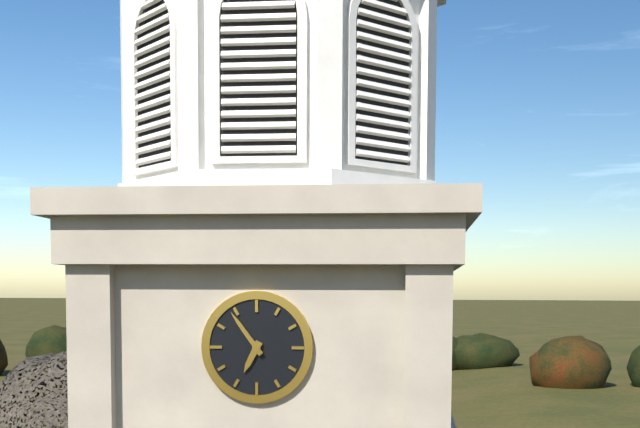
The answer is 6 h 54 min
